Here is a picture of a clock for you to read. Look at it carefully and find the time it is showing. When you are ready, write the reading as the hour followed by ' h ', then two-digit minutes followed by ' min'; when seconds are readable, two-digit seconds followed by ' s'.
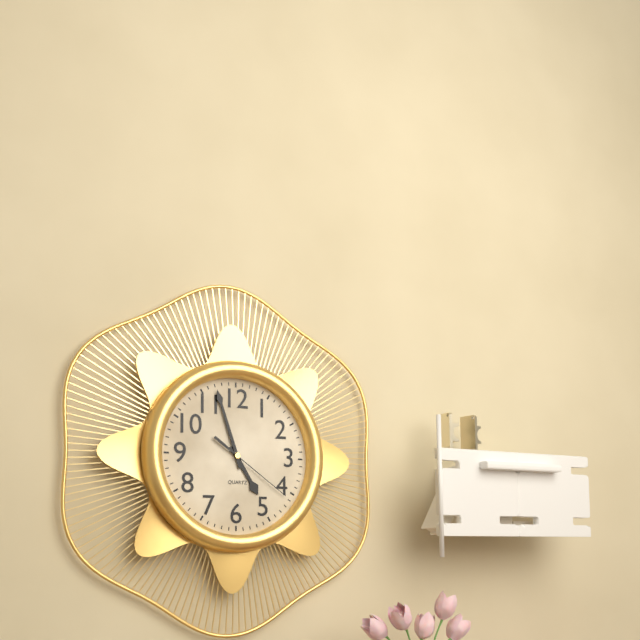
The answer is 4 h 57 min 21 s
